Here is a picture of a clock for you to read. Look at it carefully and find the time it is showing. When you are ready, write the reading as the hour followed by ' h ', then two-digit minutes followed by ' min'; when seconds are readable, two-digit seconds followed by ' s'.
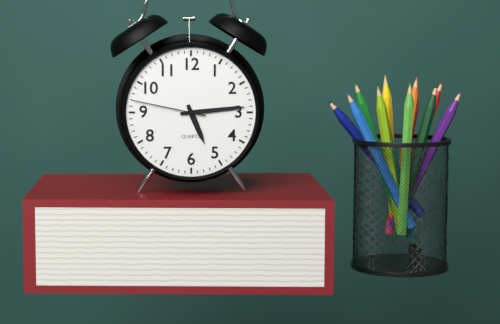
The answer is 5 h 14 min 47 s
